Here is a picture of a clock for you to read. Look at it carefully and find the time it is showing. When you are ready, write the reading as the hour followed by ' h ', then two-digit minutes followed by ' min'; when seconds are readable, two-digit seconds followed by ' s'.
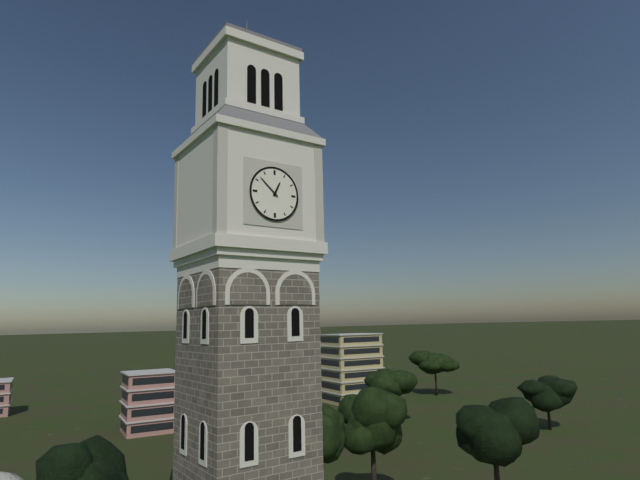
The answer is 12 h 52 min
